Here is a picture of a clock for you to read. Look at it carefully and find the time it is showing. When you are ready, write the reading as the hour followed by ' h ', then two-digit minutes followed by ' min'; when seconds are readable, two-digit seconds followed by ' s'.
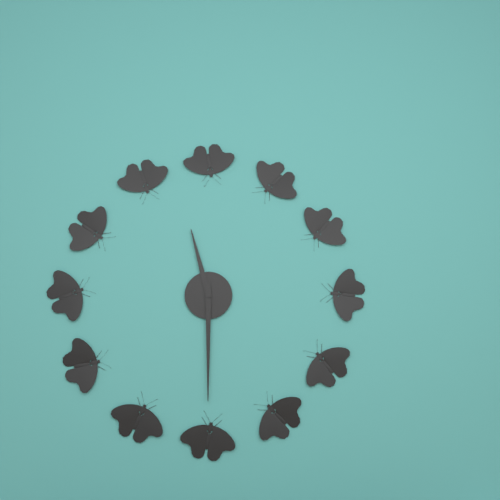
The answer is 11 h 30 min
